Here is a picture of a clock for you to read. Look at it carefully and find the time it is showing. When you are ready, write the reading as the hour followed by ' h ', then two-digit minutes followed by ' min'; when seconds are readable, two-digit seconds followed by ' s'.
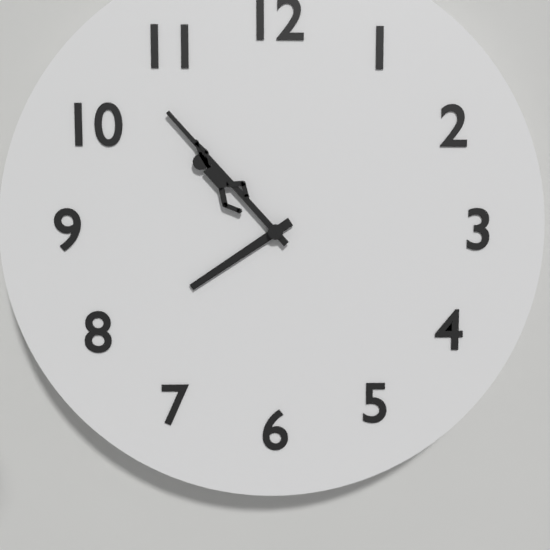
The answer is 7 h 53 min
